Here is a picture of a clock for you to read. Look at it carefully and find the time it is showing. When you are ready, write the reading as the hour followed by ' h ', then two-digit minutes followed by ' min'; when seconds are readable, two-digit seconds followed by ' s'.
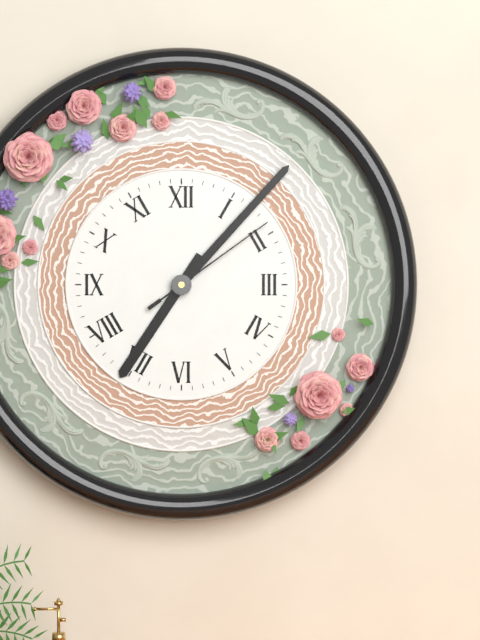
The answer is 7 h 07 min 09 s
